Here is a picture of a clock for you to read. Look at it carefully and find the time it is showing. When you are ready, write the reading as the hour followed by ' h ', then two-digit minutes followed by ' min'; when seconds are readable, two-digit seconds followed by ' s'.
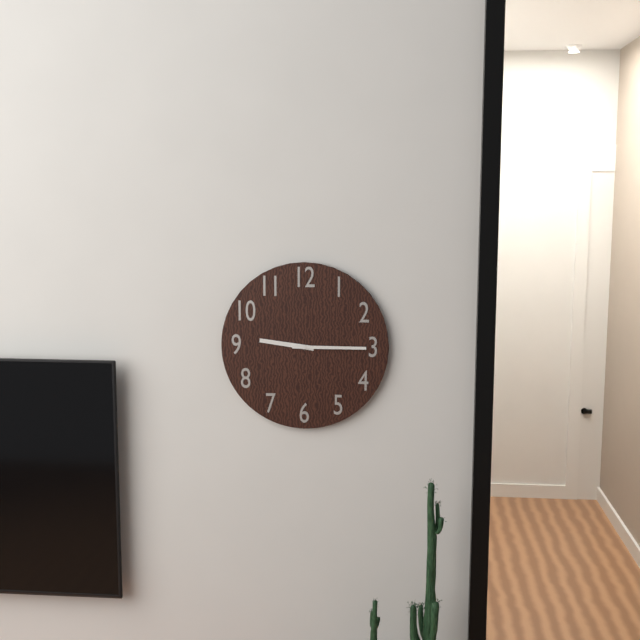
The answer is 9 h 15 min
